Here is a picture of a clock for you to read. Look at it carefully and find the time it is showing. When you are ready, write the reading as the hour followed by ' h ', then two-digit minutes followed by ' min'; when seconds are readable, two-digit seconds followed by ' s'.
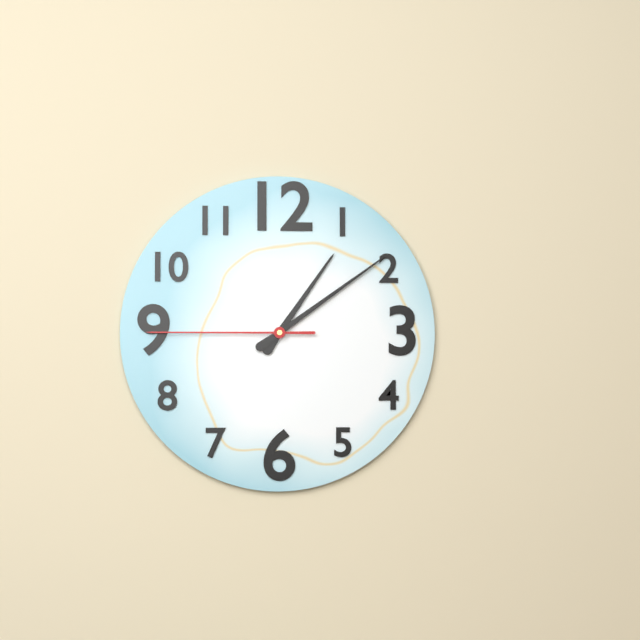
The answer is 1 h 09 min 45 s
